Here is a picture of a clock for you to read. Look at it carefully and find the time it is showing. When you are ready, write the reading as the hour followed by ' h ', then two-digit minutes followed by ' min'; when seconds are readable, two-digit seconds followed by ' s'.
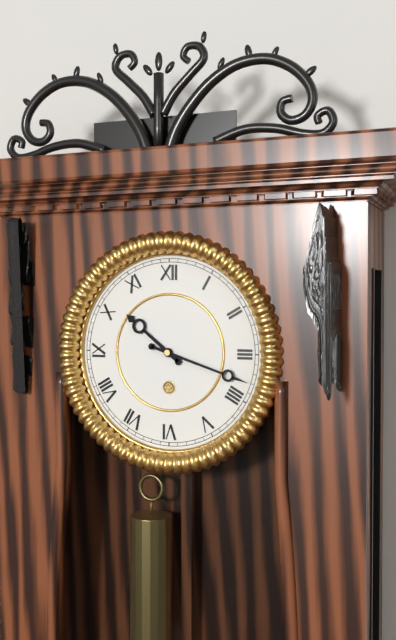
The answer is 10 h 18 min
